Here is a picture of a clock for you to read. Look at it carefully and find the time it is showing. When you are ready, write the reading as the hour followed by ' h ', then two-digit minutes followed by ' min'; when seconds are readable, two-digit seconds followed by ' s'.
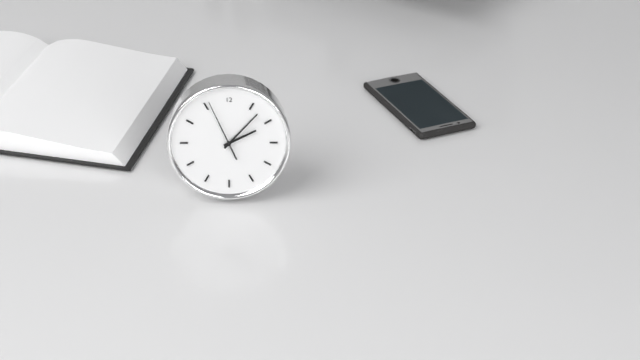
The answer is 2 h 07 min 56 s
